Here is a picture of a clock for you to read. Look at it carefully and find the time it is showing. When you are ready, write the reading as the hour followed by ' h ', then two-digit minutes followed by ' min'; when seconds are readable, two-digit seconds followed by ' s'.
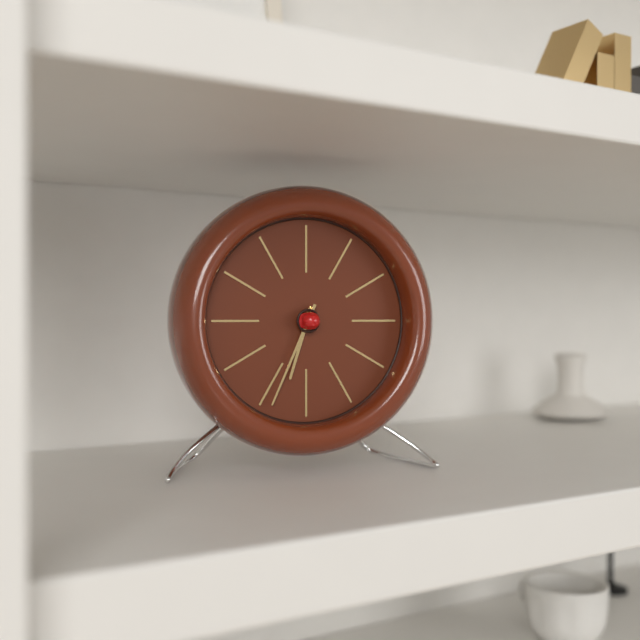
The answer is 6 h 34 min
